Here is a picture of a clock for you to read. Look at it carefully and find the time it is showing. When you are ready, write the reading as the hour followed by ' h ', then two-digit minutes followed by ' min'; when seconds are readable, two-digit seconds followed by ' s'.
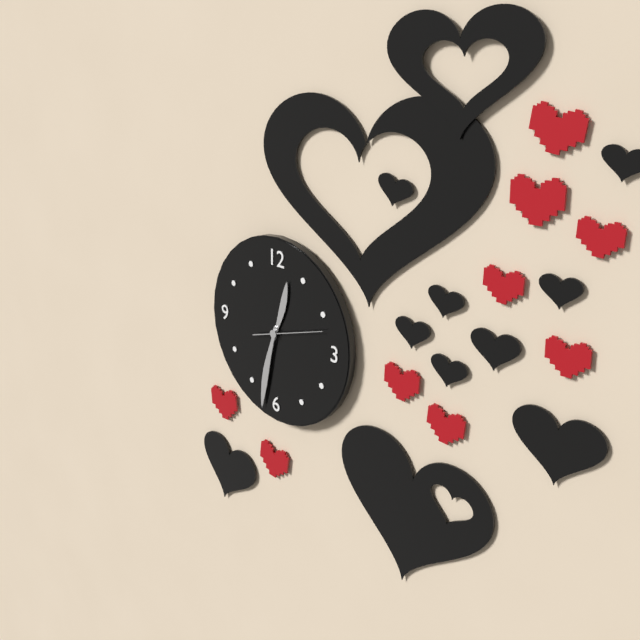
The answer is 12 h 32 min 12 s
